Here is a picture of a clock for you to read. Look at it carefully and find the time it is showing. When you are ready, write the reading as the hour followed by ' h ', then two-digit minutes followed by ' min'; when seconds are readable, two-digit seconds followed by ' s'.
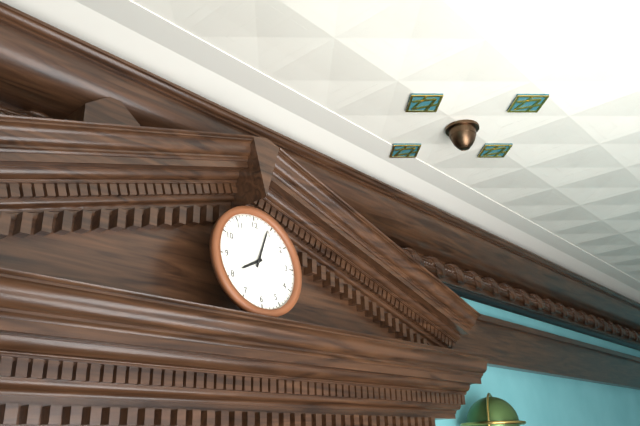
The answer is 8 h 04 min
